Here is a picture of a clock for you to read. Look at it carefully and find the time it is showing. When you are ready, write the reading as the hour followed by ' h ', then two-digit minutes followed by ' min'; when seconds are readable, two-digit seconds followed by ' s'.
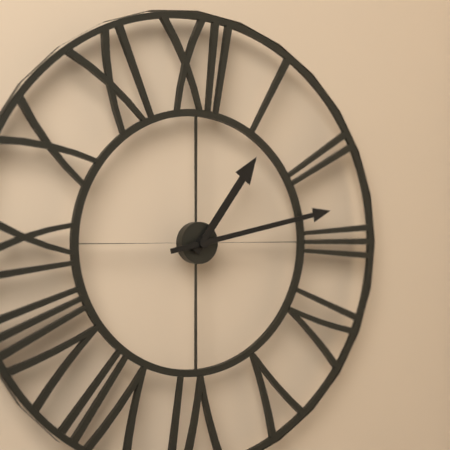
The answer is 1 h 13 min
